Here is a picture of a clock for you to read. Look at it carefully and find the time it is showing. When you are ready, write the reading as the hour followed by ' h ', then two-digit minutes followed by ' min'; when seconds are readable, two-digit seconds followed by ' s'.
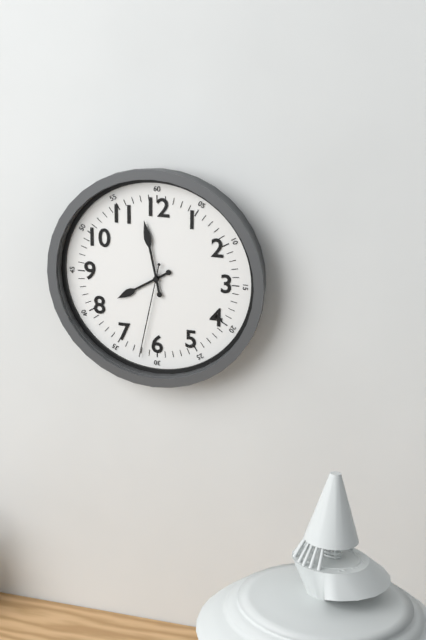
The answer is 7 h 58 min 32 s
